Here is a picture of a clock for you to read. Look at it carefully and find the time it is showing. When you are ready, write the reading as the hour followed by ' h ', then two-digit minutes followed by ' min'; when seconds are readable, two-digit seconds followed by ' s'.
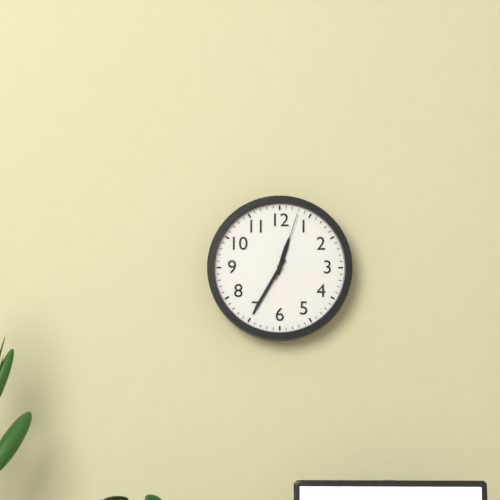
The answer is 12 h 35 min 03 s
